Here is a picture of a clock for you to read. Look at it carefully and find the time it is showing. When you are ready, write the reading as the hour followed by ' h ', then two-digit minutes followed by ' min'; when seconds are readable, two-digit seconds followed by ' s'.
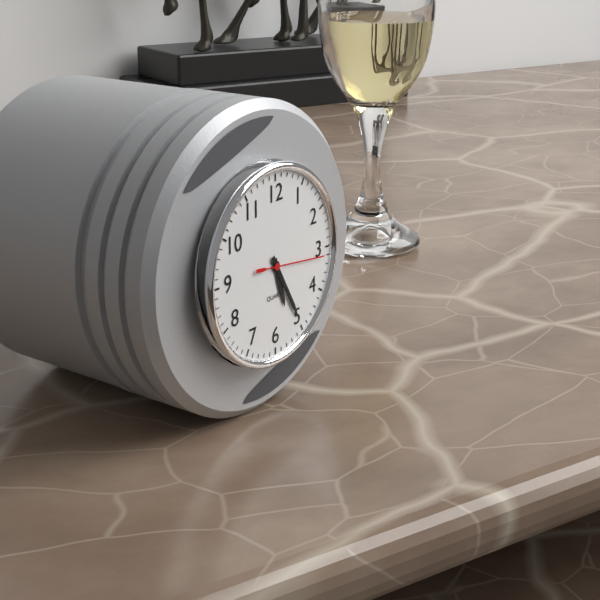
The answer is 5 h 25 min 16 s
